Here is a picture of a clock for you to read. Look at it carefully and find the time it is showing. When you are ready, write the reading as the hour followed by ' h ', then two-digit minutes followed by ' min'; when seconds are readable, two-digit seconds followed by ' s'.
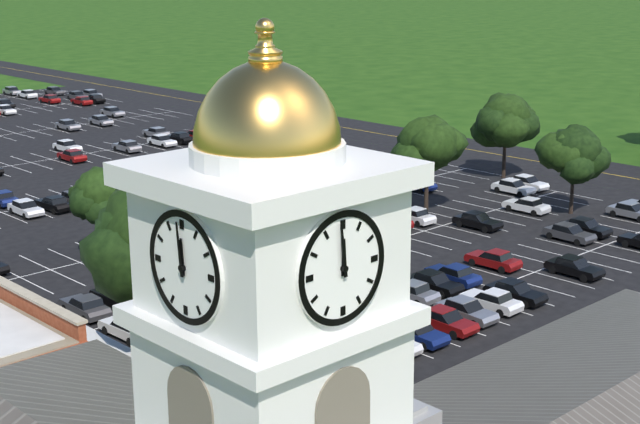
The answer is 11 h 59 min
